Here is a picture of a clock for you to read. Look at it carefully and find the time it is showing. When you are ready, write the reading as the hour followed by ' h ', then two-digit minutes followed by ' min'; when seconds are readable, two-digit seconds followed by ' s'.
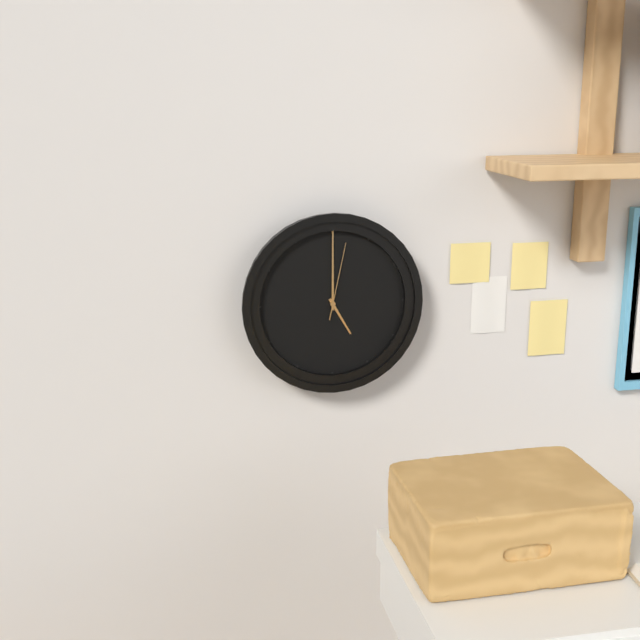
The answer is 5 h 00 min 02 s
